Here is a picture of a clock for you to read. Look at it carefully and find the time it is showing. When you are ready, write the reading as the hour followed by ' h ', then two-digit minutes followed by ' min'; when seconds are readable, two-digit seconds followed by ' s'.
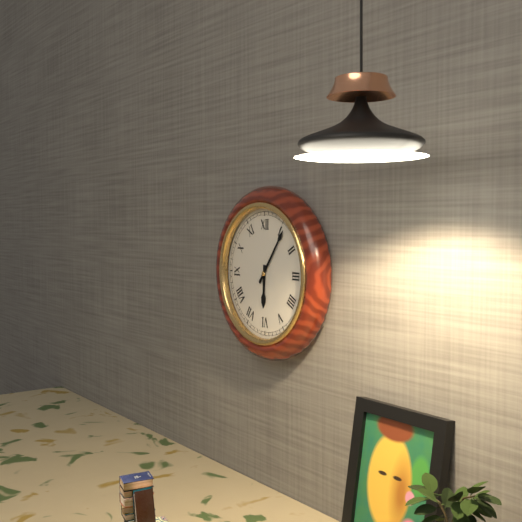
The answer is 6 h 06 min
